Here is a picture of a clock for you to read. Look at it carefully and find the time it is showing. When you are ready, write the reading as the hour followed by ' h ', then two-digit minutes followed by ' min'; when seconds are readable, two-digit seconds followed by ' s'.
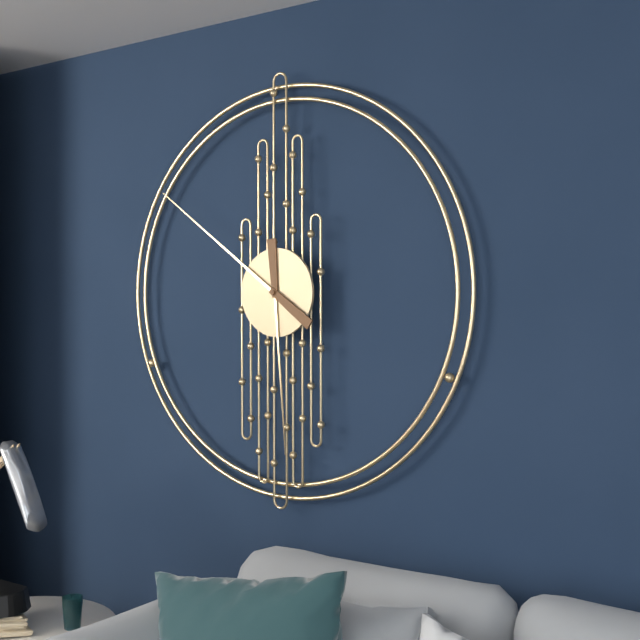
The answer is 5 h 51 min
